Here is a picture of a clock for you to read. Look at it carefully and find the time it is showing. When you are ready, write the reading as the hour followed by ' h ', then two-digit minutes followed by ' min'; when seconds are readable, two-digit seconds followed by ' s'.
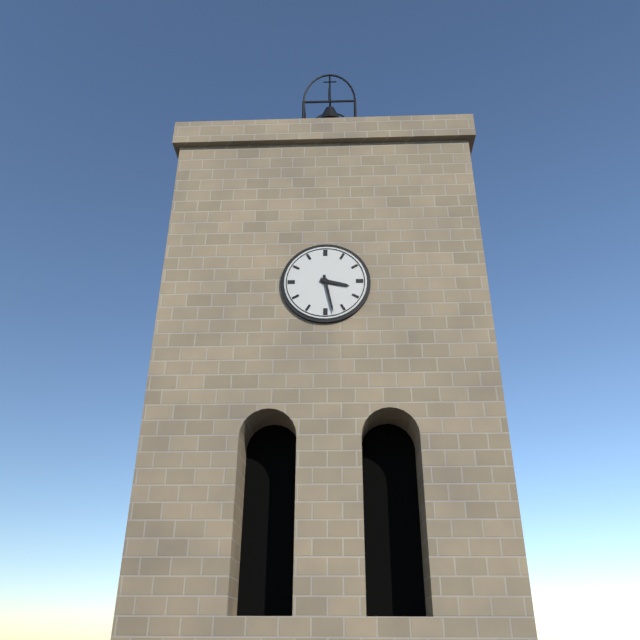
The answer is 3 h 28 min
